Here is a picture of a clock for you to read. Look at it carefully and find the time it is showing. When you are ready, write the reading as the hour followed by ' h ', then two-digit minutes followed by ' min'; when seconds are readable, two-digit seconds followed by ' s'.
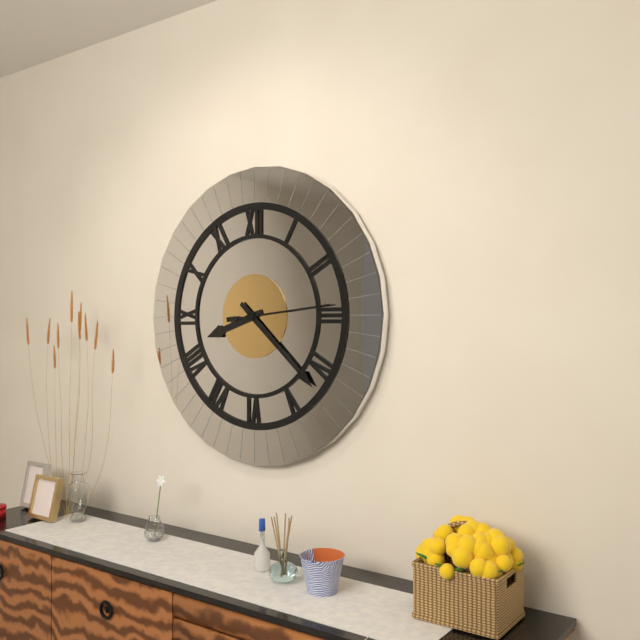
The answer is 8 h 22 min 14 s
